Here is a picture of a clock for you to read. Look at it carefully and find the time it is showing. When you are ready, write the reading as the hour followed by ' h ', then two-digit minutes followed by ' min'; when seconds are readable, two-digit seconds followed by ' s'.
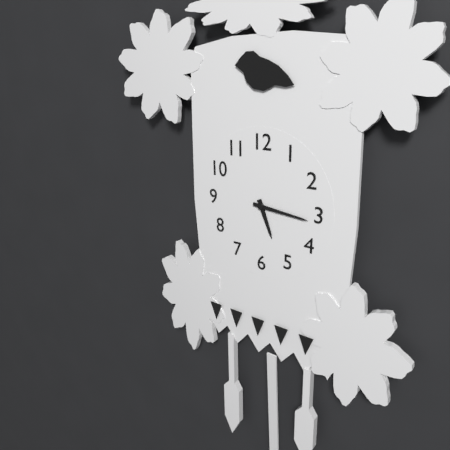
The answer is 5 h 16 min
